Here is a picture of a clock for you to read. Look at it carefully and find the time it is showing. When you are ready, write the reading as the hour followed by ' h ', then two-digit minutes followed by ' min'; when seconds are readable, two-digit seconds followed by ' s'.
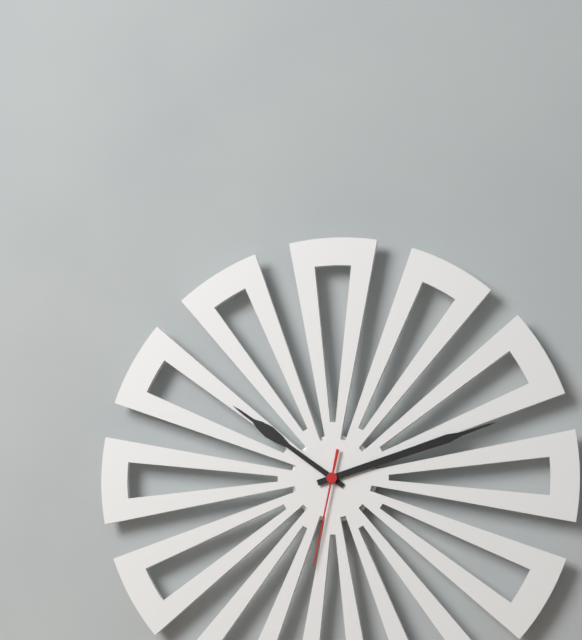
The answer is 10 h 12 min 32 s
